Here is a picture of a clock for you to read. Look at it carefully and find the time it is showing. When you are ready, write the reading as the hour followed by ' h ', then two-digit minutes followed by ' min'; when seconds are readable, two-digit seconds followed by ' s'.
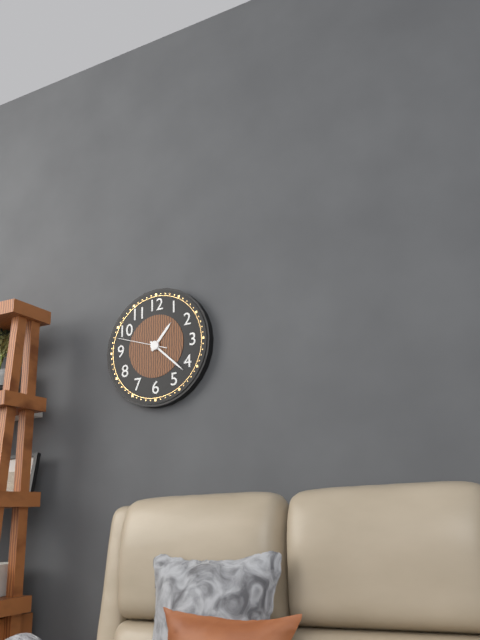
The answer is 1 h 22 min 48 s
